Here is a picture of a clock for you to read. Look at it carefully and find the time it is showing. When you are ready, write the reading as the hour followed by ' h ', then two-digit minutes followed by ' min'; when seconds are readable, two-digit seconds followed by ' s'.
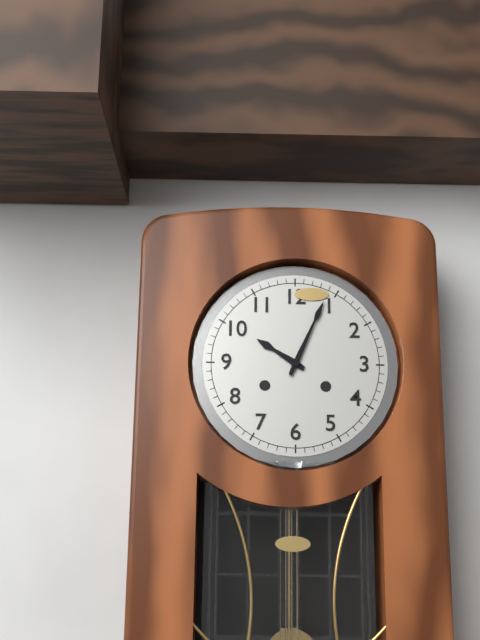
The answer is 10 h 04 min
